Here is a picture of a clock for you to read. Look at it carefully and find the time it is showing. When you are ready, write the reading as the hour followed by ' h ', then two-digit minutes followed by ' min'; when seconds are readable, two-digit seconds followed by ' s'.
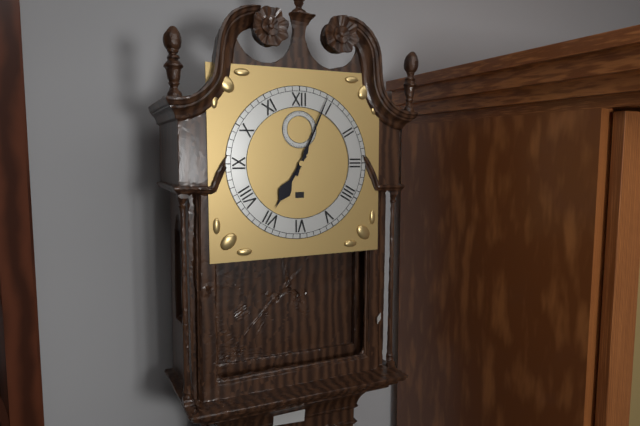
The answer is 7 h 04 min
